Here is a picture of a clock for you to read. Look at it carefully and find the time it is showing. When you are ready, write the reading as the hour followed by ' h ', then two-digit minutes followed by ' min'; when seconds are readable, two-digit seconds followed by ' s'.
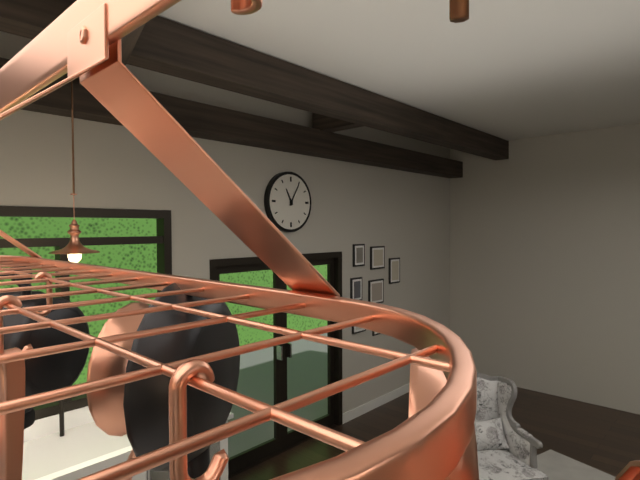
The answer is 11 h 05 min
